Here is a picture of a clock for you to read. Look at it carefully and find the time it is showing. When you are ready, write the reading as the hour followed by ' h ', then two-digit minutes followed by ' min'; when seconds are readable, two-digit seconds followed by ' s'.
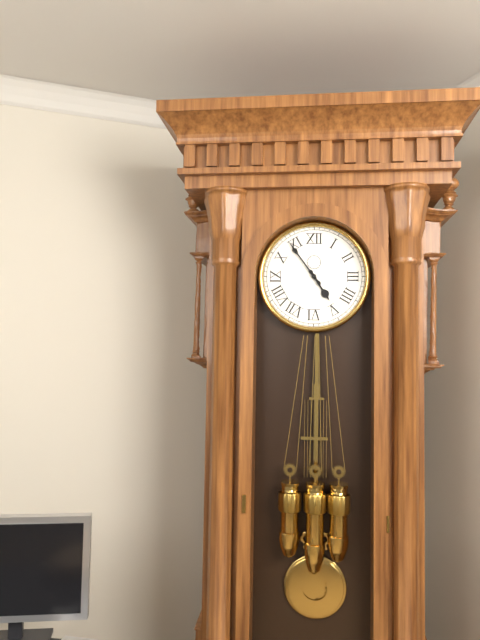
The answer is 4 h 54 min
